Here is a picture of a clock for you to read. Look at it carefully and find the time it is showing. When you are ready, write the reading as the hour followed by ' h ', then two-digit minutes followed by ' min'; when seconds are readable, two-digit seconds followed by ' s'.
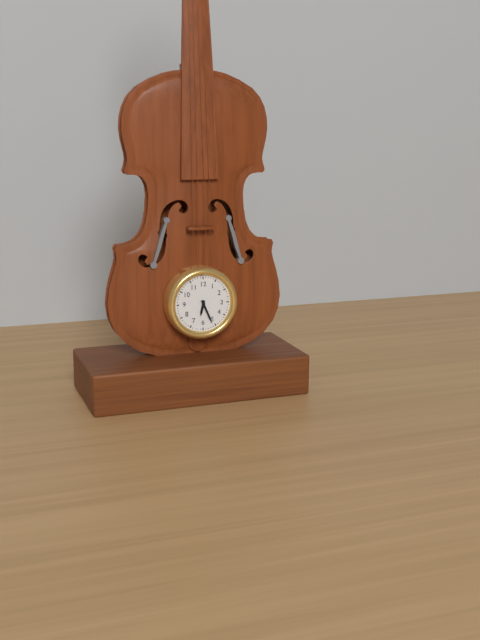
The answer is 6 h 26 min
